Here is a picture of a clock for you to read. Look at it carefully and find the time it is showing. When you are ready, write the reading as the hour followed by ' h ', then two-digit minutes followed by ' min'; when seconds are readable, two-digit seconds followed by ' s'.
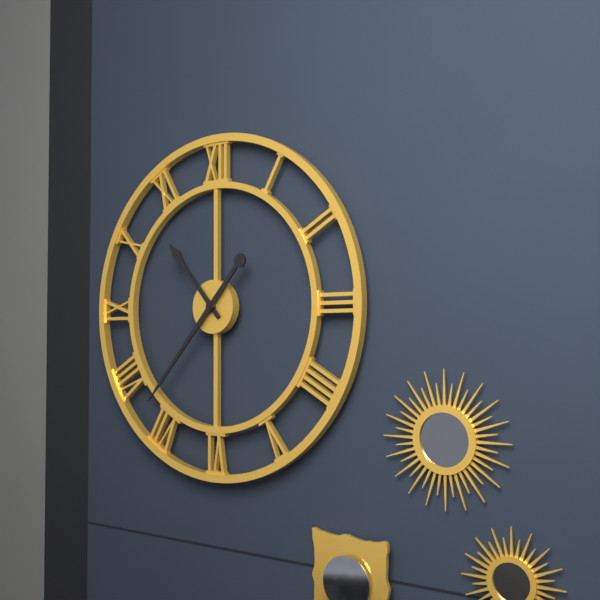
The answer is 10 h 37 min
